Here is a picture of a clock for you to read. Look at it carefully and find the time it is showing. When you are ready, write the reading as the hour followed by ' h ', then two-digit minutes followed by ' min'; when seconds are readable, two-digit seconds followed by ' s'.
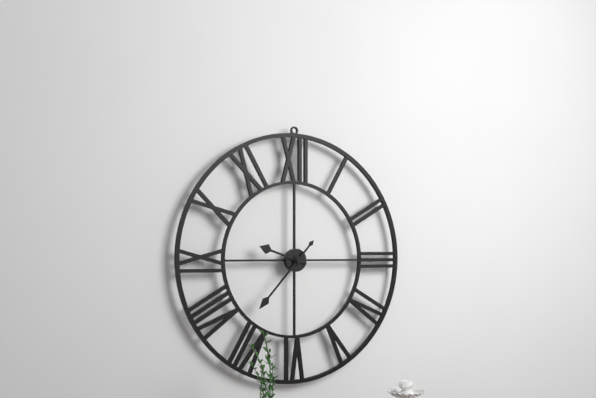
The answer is 9 h 37 min
